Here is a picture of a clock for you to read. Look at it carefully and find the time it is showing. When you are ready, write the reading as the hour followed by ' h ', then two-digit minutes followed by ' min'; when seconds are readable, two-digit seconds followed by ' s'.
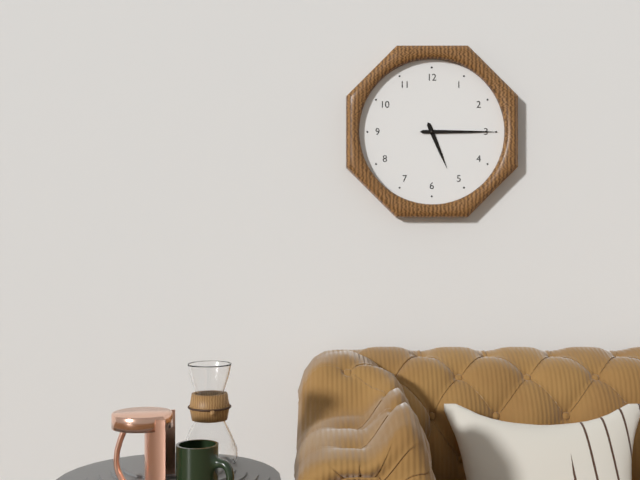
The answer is 5 h 15 min
